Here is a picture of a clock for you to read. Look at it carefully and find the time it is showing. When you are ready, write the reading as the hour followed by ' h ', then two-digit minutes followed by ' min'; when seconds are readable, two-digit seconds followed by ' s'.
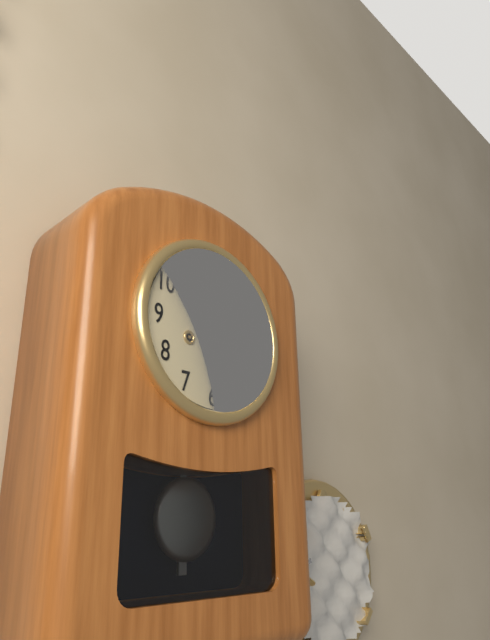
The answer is 1 h 52 min
